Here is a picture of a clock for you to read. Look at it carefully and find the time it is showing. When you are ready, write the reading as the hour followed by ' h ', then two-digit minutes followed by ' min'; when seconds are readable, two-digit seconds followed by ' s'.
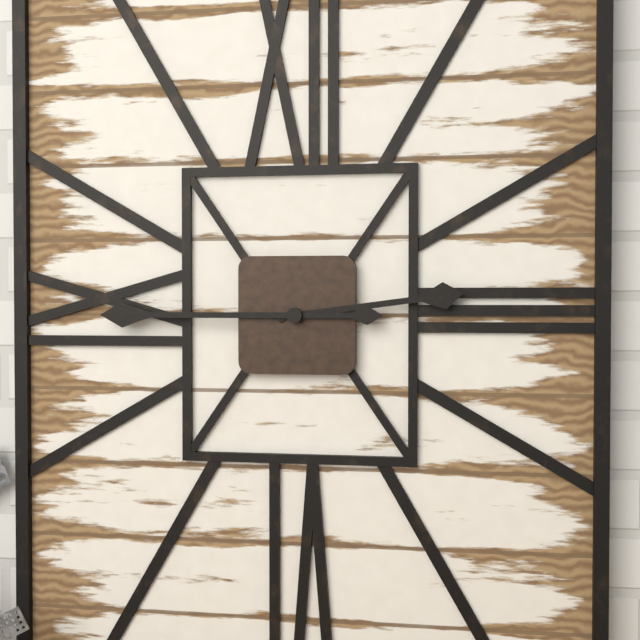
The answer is 2 h 45 min
